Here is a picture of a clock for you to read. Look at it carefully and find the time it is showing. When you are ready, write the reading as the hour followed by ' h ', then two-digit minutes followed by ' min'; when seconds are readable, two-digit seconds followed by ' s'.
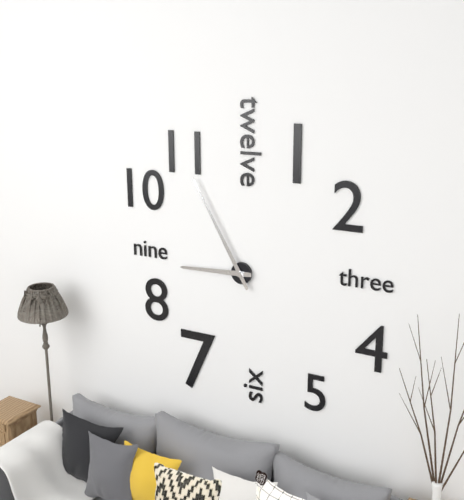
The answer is 8 h 55 min
